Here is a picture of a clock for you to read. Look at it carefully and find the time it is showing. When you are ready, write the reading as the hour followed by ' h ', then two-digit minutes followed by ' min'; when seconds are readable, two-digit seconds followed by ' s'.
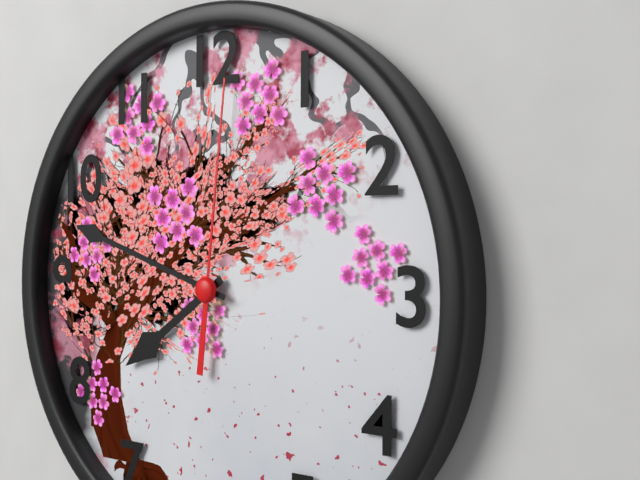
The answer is 7 h 48 min 01 s
